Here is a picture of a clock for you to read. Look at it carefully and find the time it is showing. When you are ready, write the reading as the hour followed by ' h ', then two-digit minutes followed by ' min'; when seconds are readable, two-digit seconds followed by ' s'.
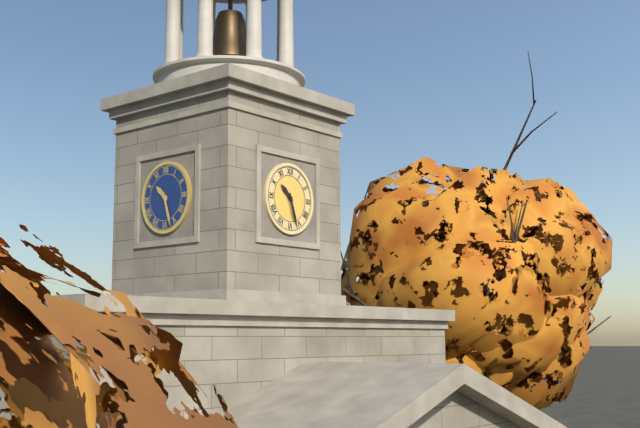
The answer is 10 h 27 min
